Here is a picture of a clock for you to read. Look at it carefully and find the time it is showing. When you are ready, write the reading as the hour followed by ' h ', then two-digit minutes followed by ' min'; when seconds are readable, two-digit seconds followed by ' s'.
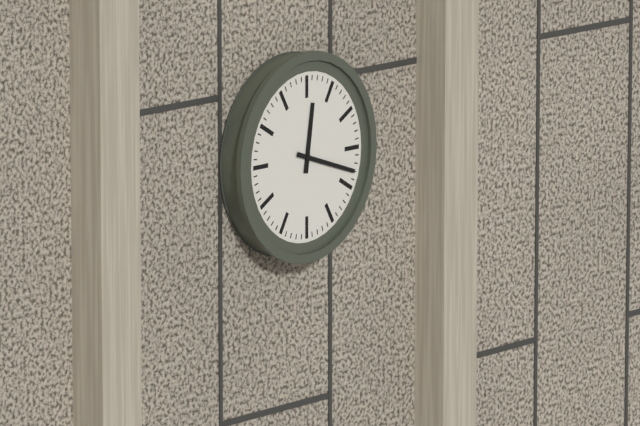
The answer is 12 h 18 min
